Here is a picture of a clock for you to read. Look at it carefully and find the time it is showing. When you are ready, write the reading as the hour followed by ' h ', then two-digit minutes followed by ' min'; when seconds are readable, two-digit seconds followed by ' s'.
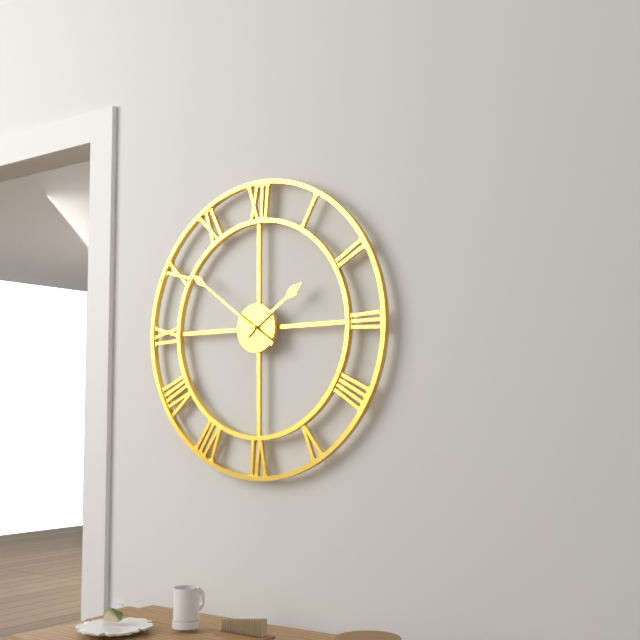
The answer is 1 h 51 min
